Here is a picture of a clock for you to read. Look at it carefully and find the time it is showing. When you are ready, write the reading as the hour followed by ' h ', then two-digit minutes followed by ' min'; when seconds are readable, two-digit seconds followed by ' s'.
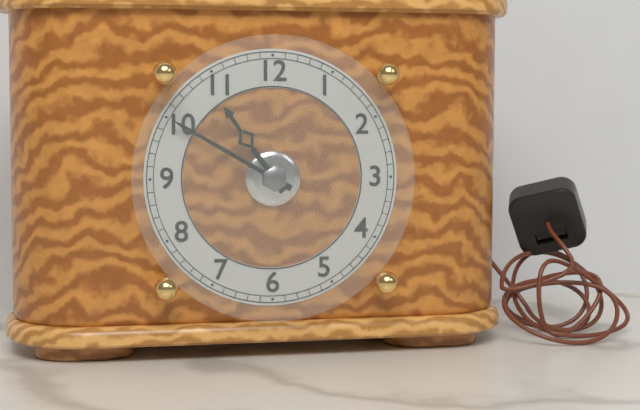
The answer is 10 h 50 min
